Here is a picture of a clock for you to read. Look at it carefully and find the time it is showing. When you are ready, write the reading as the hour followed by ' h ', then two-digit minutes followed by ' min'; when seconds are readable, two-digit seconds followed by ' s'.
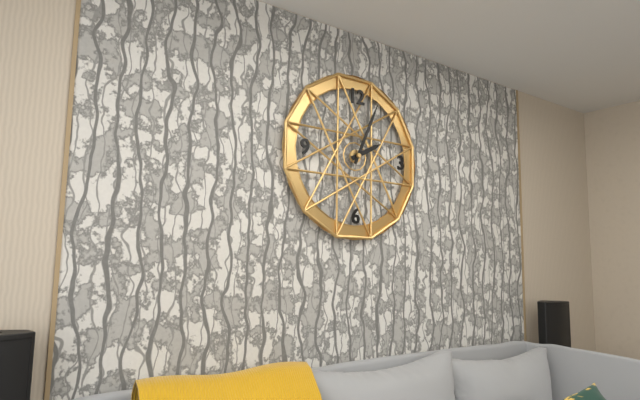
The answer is 2 h 04 min
